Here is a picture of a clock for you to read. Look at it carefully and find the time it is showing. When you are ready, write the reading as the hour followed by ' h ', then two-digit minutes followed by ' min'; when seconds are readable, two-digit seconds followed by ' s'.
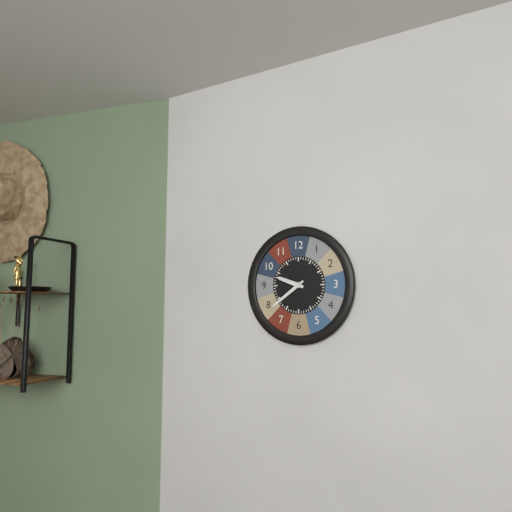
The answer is 9 h 39 min
